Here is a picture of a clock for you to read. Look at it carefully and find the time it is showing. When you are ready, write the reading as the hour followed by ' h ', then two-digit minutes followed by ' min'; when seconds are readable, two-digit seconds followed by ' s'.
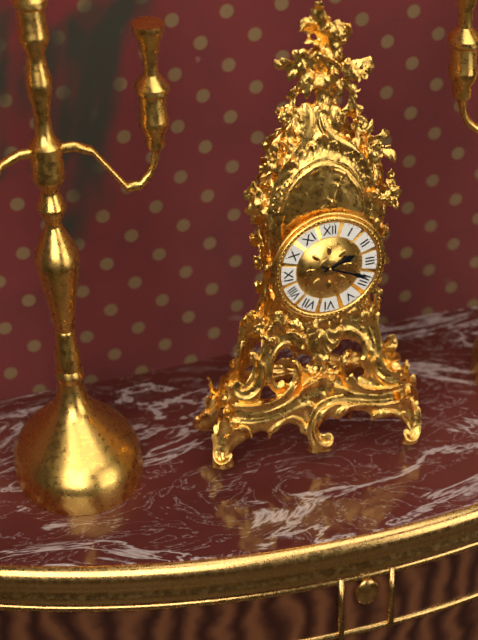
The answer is 2 h 19 min
